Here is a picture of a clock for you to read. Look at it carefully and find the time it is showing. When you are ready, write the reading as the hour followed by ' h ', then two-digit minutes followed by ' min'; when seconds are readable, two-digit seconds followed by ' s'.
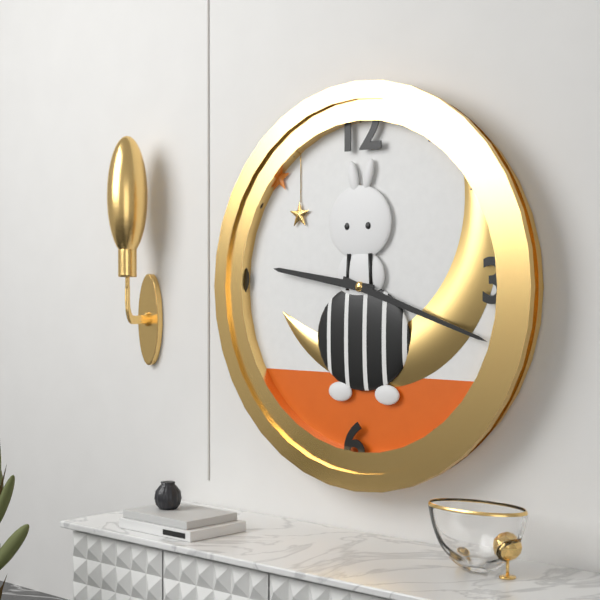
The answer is 9 h 18 min
